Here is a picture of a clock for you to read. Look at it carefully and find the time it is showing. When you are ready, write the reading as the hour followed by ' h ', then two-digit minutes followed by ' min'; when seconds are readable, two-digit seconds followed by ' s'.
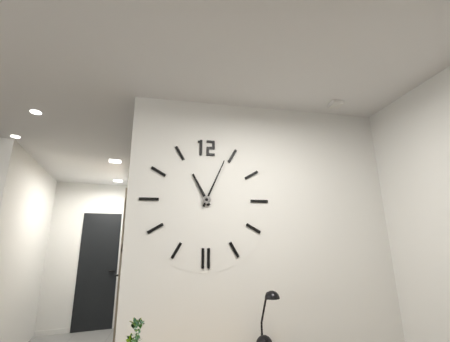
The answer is 11 h 04 min
